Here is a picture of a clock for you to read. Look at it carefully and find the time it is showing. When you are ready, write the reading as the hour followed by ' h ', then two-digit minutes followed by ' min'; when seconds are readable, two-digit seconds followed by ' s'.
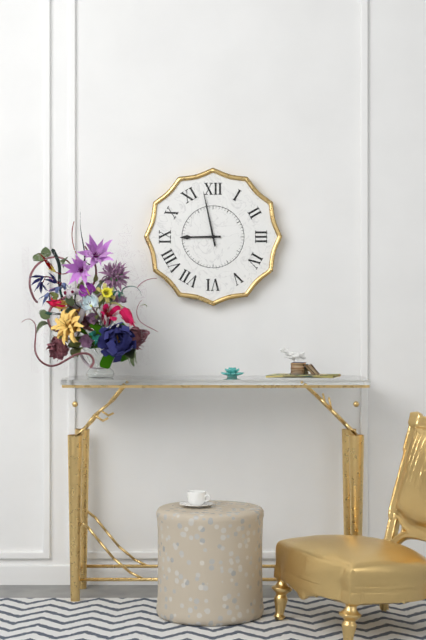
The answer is 8 h 58 min
